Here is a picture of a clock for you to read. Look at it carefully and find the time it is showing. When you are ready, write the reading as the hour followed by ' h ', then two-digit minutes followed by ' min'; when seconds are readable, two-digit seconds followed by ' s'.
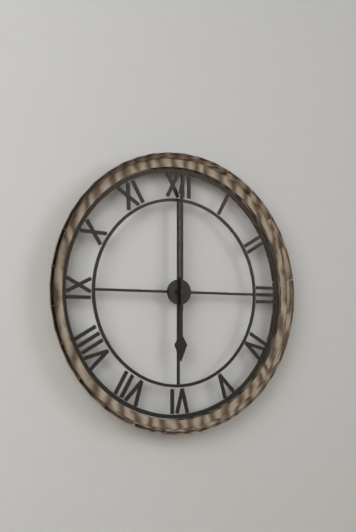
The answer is 6 h 00 min
